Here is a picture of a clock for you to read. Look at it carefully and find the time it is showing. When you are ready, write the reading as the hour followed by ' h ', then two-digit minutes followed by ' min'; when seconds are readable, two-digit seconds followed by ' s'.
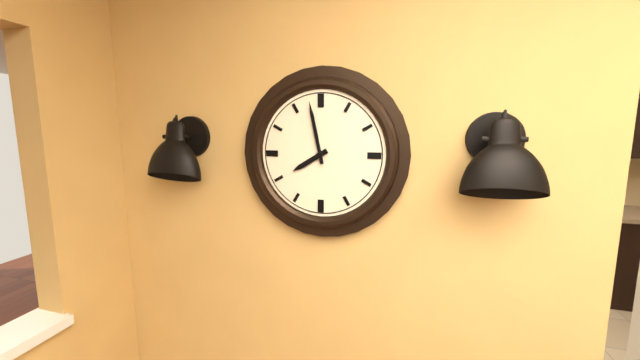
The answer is 7 h 58 min
